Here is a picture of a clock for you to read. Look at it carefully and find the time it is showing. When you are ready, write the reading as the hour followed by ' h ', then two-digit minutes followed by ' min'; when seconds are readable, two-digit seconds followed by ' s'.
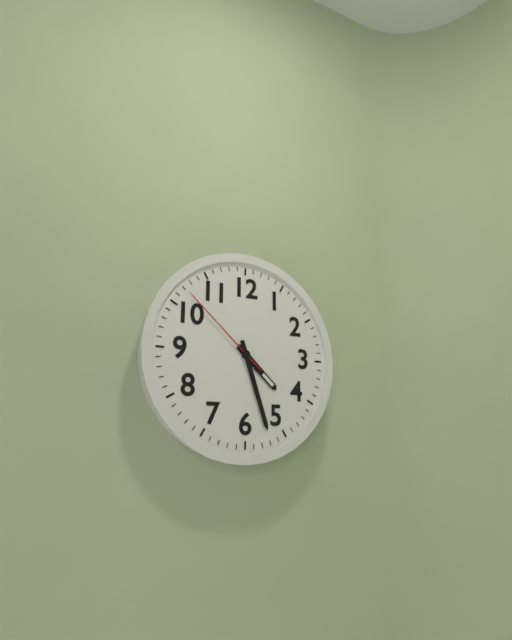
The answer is 4 h 27 min 52 s
